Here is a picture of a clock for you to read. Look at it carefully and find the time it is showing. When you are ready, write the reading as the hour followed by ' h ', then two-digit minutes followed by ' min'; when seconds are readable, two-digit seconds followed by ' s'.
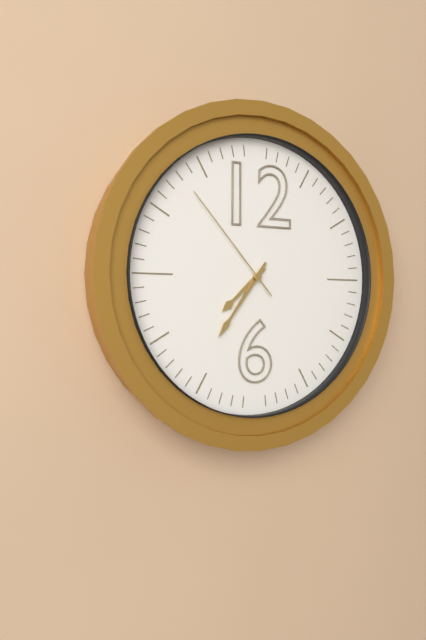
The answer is 7 h 36 min 53 s
